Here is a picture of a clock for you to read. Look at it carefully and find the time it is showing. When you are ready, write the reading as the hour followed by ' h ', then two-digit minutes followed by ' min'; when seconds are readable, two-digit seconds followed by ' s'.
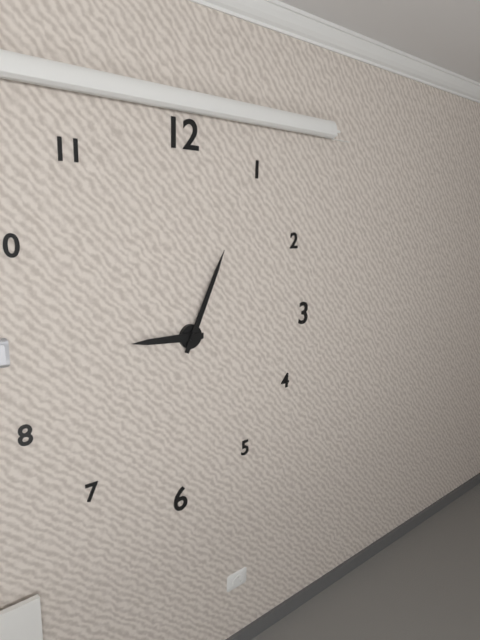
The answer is 9 h 04 min
